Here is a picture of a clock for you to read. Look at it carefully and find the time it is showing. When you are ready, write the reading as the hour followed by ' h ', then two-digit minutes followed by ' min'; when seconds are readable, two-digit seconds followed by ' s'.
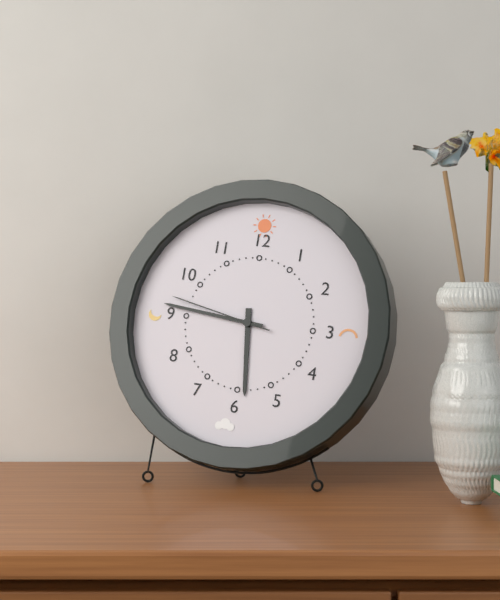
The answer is 5 h 46 min 47 s
